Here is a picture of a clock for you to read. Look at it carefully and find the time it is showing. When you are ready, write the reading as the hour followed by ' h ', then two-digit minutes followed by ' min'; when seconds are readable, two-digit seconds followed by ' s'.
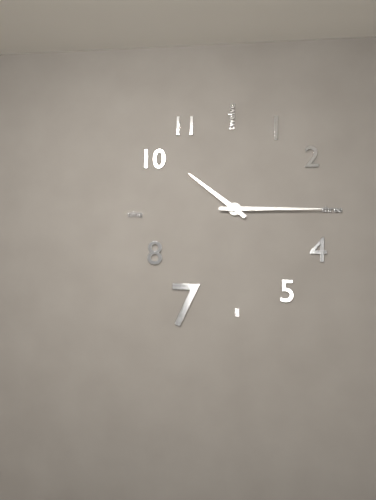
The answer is 10 h 15 min
